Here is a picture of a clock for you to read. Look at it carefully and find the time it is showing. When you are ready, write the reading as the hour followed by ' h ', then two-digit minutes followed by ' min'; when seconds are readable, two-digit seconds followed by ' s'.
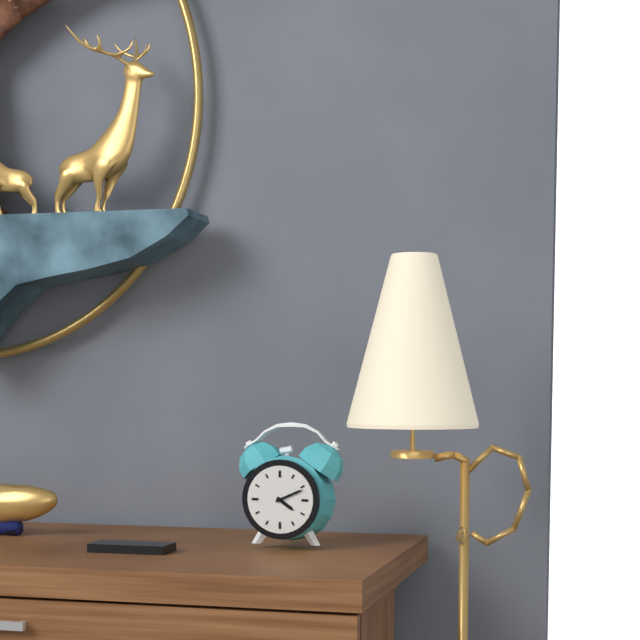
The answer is 4 h 11 min
